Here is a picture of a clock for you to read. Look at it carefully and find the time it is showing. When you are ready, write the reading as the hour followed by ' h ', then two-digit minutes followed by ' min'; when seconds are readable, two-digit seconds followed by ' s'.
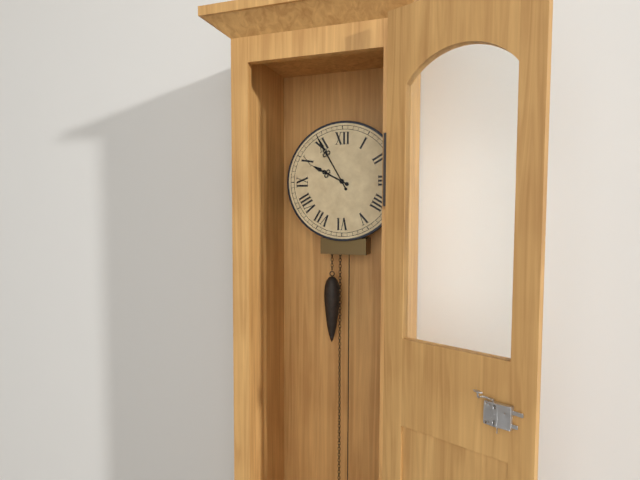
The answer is 9 h 55 min
